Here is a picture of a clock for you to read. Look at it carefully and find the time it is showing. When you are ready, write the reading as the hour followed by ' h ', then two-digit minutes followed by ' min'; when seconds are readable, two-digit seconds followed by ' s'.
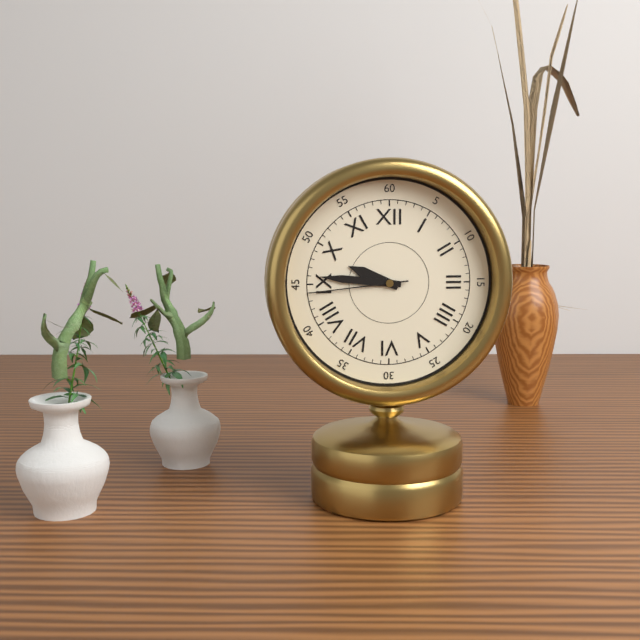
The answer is 9 h 46 min 44 s
